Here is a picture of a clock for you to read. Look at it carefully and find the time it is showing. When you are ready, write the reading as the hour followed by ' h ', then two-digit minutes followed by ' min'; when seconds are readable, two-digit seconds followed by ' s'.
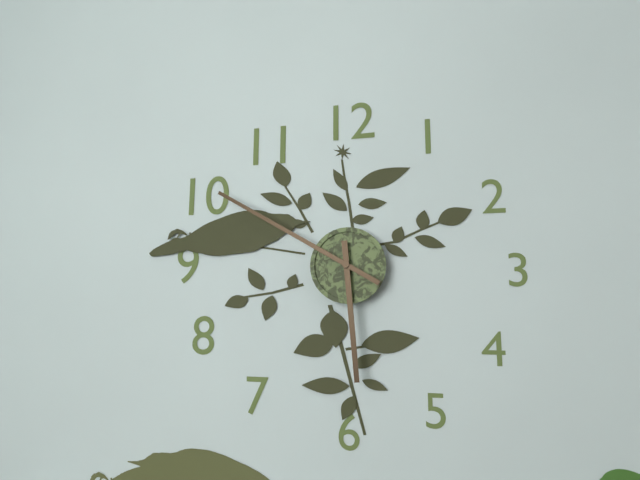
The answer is 5 h 50 min
